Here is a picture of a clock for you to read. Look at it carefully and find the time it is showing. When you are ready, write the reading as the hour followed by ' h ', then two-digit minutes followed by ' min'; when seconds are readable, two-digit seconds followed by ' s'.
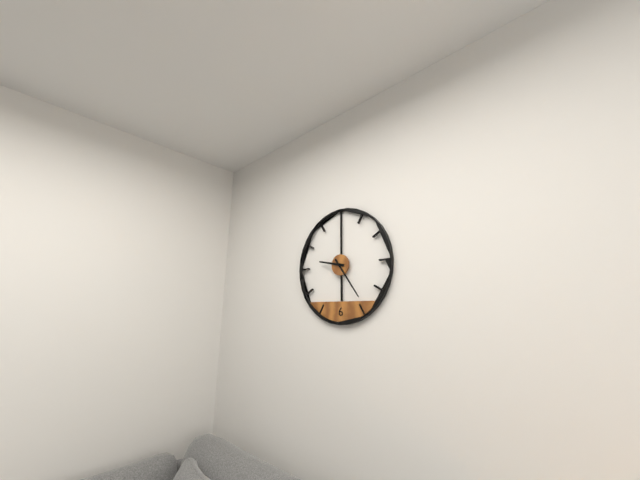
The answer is 9 h 24 min
